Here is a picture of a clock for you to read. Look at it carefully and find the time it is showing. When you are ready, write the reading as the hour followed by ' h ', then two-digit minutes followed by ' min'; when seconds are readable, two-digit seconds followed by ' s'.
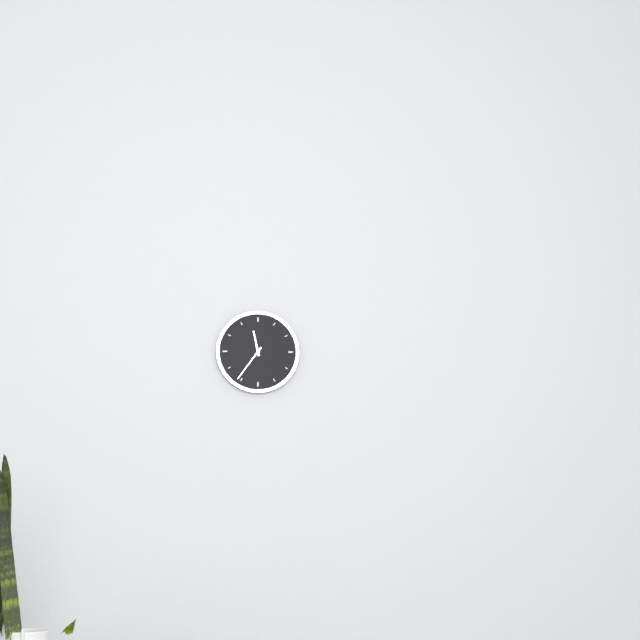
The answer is 11 h 36 min
